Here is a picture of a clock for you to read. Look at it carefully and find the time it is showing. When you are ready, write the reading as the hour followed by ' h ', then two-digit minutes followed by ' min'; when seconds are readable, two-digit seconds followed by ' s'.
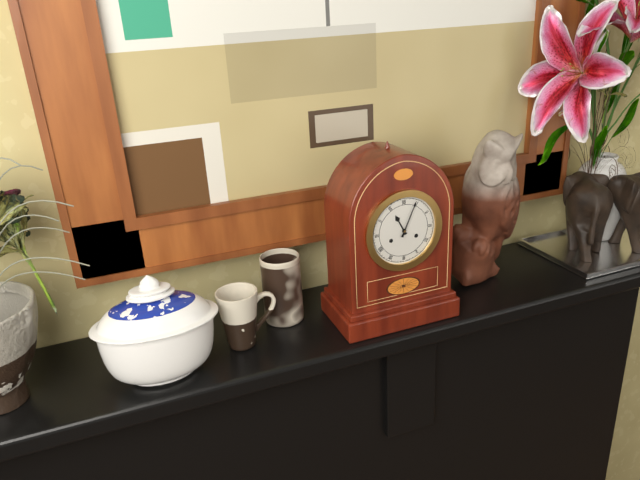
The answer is 11 h 04 min
